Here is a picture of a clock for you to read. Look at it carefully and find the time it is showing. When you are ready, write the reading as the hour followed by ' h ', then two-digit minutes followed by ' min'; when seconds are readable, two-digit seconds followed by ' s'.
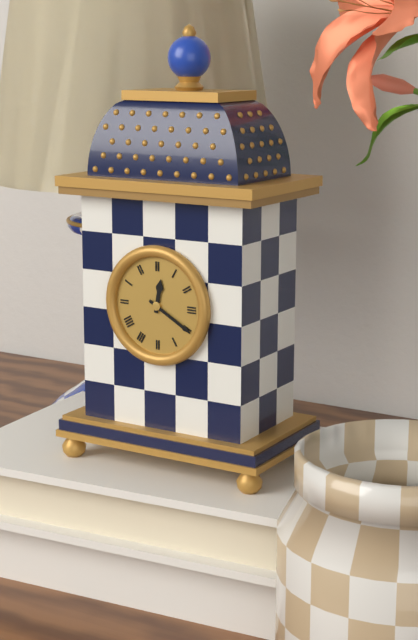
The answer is 12 h 20 min
